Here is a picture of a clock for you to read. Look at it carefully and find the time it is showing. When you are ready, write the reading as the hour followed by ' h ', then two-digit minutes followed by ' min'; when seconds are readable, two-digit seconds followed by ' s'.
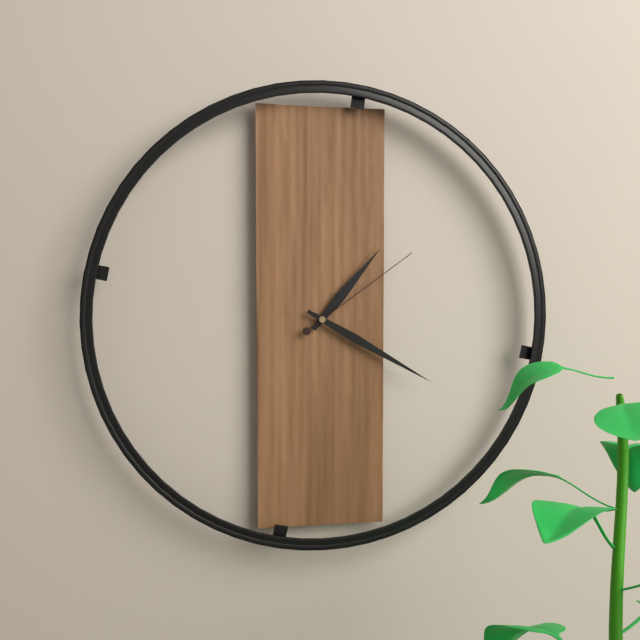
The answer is 1 h 20 min 09 s
